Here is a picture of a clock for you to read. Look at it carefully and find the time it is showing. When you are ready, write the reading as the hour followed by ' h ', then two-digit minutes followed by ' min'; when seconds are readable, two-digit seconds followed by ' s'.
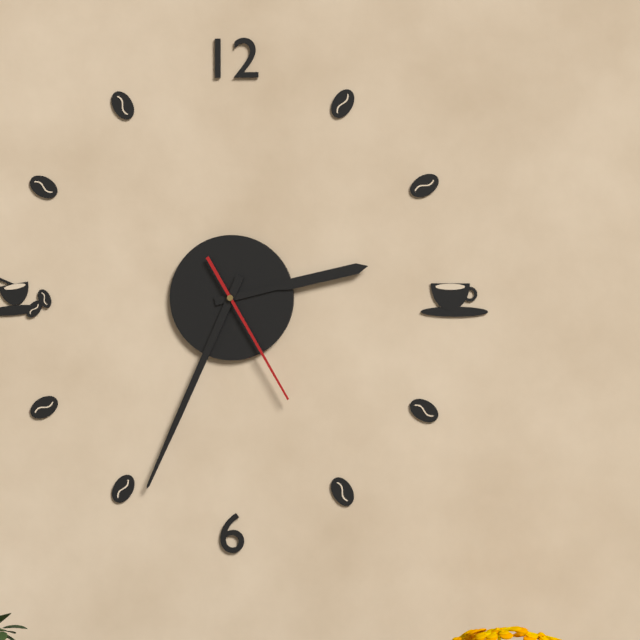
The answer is 2 h 34 min 25 s
